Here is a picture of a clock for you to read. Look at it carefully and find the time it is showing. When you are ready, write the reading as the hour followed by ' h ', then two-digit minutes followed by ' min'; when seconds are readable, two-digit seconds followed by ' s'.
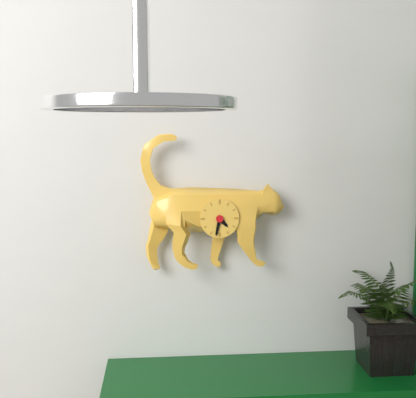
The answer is 4 h 32 min
